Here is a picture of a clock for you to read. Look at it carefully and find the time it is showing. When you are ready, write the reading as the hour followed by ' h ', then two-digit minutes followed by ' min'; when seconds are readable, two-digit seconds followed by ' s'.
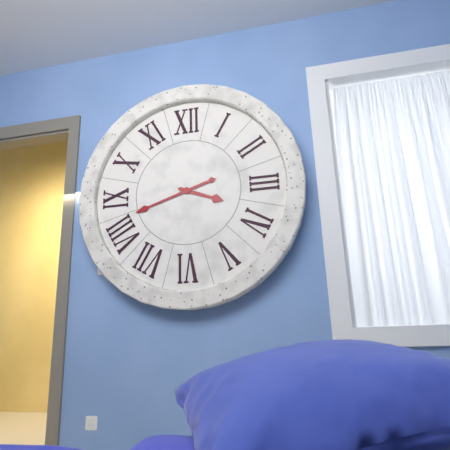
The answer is 3 h 42 min
